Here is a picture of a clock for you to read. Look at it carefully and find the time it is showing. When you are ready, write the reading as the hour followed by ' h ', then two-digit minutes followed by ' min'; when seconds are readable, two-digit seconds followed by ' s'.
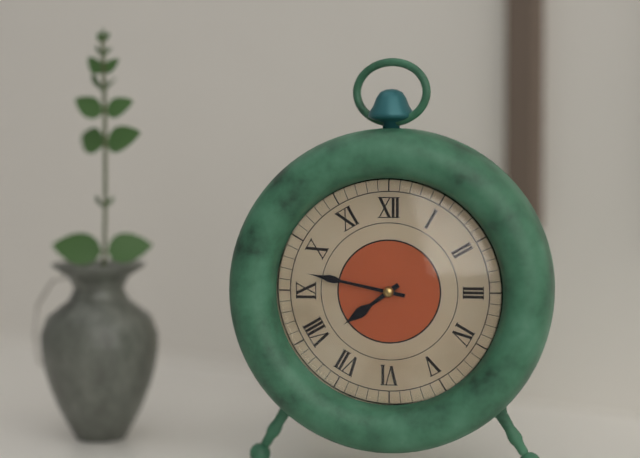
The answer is 7 h 47 min
